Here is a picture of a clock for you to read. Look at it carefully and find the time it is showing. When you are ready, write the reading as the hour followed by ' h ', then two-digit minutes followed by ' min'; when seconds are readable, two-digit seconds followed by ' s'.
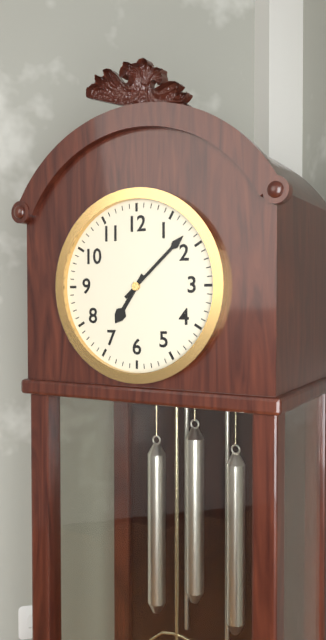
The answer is 7 h 08 min
